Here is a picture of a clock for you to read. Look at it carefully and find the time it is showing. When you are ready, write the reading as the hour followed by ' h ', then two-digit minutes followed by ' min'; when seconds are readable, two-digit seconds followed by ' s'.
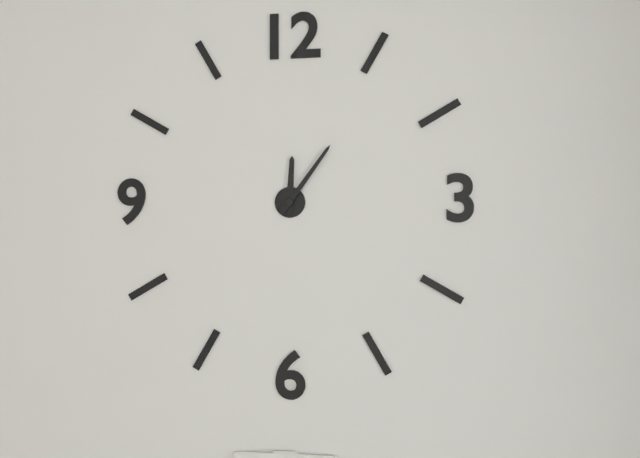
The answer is 12 h 06 min
